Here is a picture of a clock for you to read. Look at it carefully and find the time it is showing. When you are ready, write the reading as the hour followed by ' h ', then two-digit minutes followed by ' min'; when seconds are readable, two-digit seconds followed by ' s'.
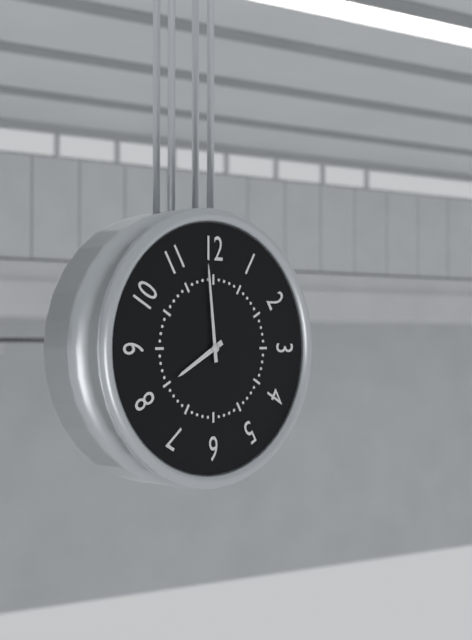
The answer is 7 h 59 min
